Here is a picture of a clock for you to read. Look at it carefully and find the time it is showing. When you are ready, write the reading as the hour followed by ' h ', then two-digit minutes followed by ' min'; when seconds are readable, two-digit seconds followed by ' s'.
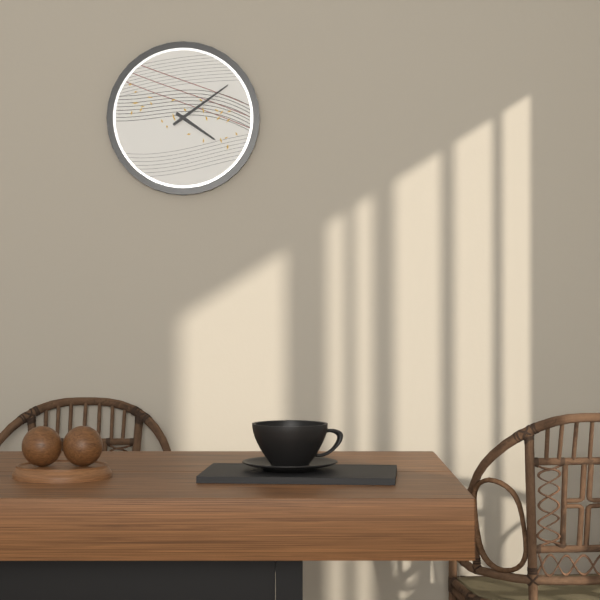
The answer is 4 h 09 min
